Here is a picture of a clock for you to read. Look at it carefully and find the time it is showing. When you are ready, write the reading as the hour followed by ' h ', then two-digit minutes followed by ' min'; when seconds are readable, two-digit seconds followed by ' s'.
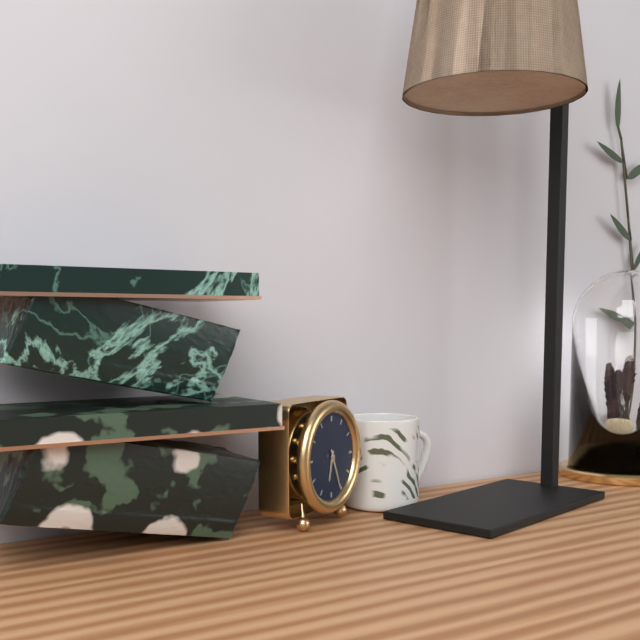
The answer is 6 h 26 min
